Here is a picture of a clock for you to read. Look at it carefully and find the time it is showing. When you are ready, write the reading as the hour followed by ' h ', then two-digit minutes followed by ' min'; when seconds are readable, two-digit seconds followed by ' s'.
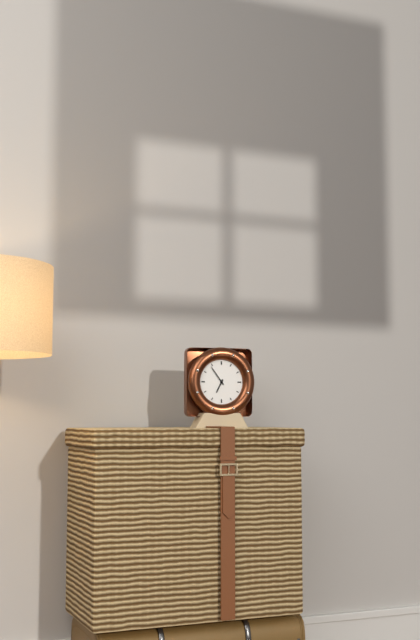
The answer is 6 h 54 min
